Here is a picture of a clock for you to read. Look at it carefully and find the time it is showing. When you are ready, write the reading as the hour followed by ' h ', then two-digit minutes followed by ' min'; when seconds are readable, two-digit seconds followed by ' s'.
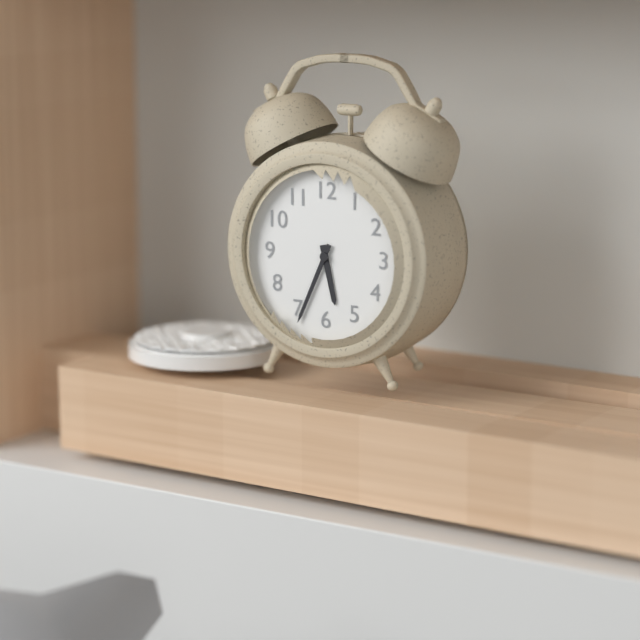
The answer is 5 h 34 min
